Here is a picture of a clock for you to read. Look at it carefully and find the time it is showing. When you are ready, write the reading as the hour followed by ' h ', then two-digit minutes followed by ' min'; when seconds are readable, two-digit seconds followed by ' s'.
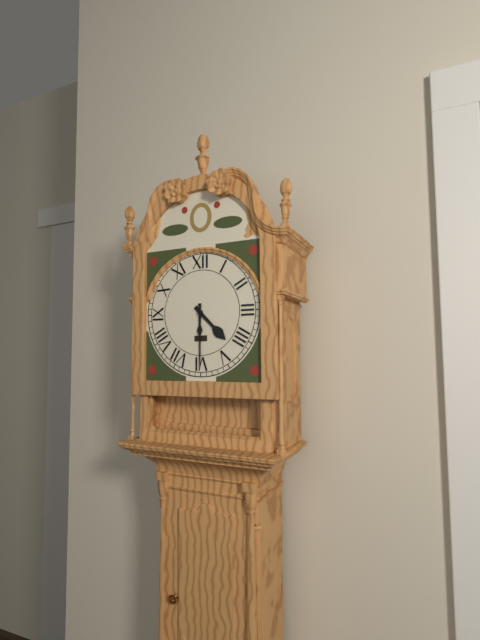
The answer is 4 h 30 min
